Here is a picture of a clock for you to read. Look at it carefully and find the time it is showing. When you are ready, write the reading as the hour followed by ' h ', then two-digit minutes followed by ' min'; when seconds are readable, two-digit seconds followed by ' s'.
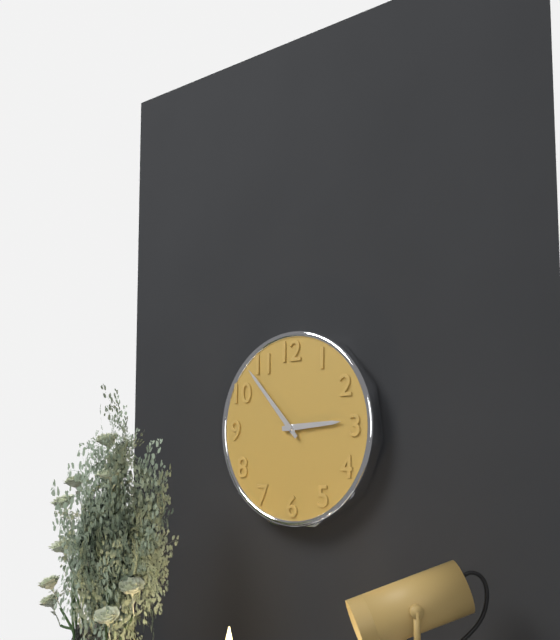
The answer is 2 h 53 min
